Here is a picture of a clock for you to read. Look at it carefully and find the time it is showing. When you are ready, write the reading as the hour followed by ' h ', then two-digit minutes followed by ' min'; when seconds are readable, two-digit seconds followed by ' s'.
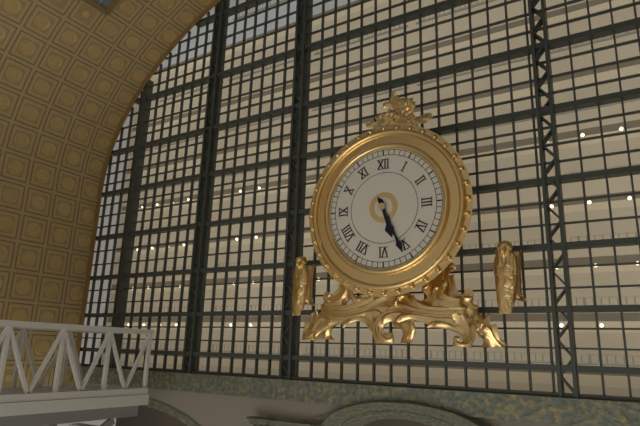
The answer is 5 h 26 min
